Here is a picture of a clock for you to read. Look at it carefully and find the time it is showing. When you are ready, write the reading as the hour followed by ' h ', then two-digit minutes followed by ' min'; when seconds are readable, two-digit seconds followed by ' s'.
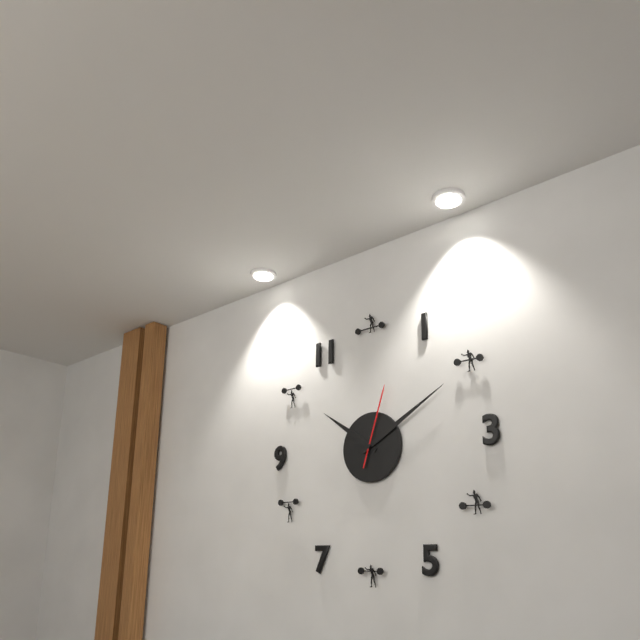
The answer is 10 h 10 min 03 s
